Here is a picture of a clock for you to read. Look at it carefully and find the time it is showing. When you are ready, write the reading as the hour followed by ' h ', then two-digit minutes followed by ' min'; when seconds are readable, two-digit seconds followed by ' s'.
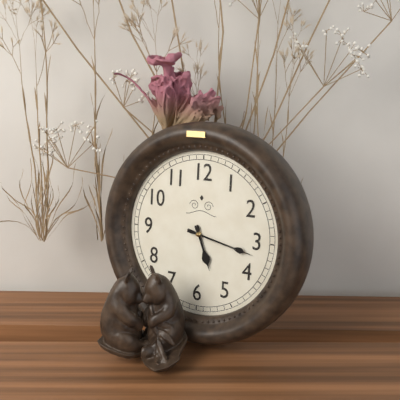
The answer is 5 h 17 min
